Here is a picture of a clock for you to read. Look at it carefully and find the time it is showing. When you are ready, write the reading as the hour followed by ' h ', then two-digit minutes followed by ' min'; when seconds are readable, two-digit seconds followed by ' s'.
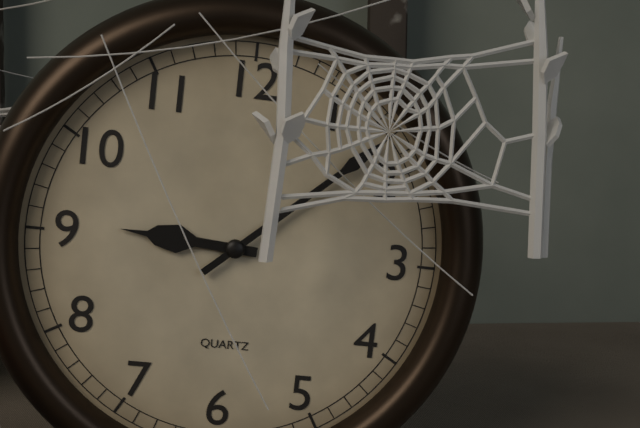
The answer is 9 h 08 min
